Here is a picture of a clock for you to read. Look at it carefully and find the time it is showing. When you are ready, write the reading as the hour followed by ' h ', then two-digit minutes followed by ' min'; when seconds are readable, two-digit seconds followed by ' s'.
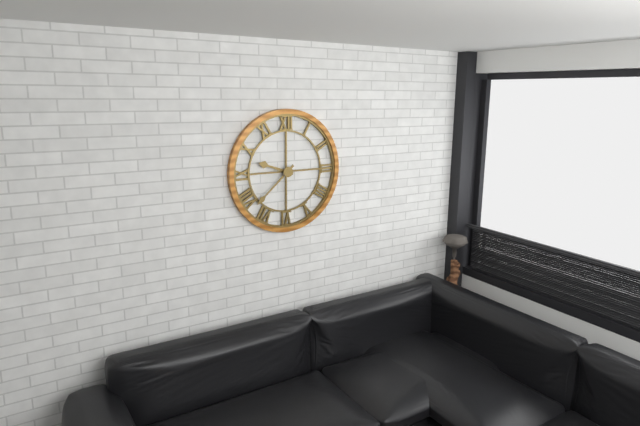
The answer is 9 h 38 min
